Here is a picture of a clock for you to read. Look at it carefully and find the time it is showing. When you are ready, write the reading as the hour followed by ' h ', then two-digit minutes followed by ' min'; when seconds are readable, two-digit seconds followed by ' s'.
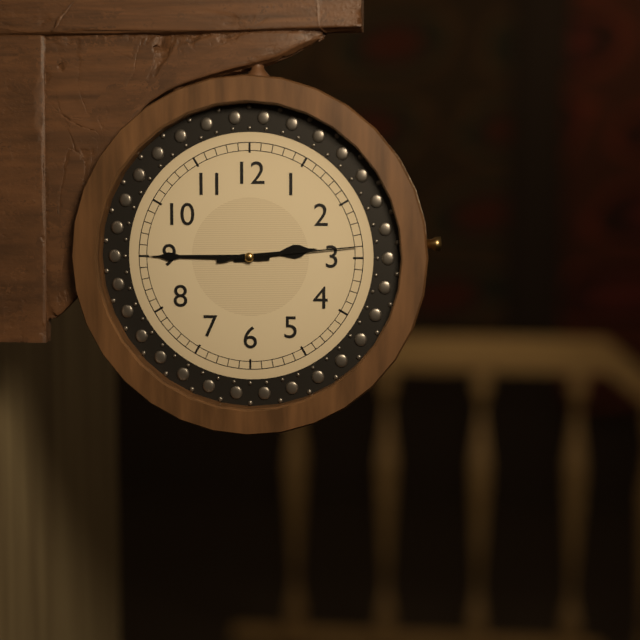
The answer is 2 h 45 min 14 s
